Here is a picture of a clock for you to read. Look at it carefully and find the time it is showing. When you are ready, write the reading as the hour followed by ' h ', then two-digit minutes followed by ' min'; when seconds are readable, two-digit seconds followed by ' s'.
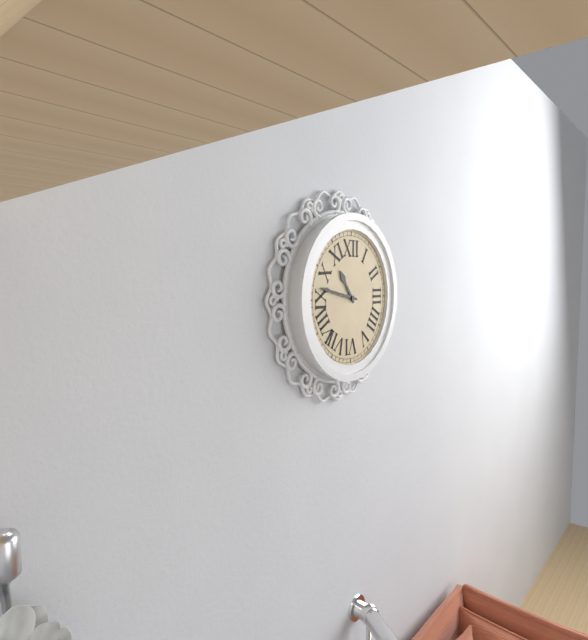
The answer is 10 h 47 min
